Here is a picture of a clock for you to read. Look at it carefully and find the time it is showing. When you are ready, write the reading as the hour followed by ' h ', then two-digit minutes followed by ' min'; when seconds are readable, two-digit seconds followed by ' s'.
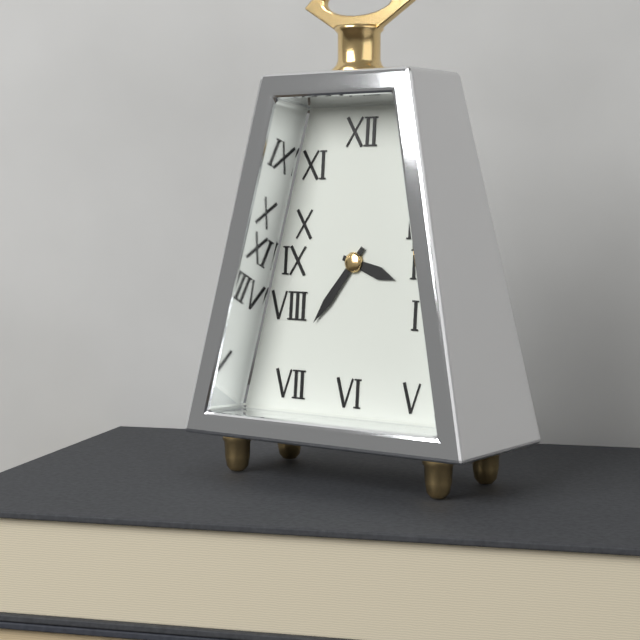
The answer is 3 h 36 min
